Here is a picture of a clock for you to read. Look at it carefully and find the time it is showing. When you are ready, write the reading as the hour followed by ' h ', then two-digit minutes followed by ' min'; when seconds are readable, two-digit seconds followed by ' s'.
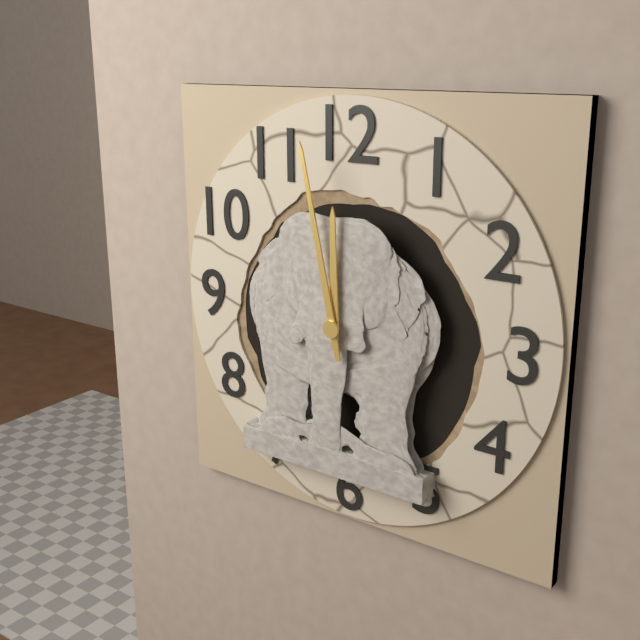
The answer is 11 h 58 min
